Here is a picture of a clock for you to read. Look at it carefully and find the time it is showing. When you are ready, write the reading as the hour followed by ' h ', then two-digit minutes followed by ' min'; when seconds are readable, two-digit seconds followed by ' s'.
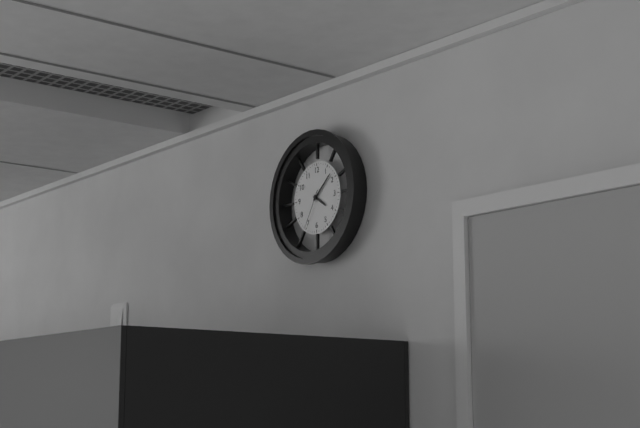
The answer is 4 h 08 min
